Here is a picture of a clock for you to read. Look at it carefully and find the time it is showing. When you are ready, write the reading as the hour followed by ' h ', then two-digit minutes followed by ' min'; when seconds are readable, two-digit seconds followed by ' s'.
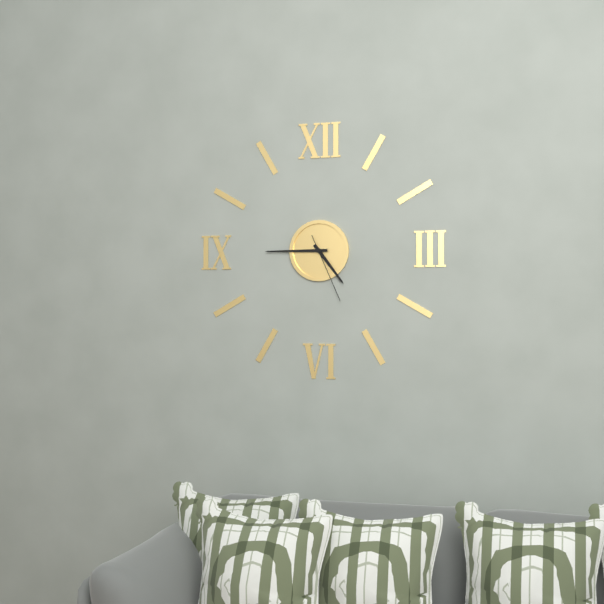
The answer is 4 h 45 min 26 s
